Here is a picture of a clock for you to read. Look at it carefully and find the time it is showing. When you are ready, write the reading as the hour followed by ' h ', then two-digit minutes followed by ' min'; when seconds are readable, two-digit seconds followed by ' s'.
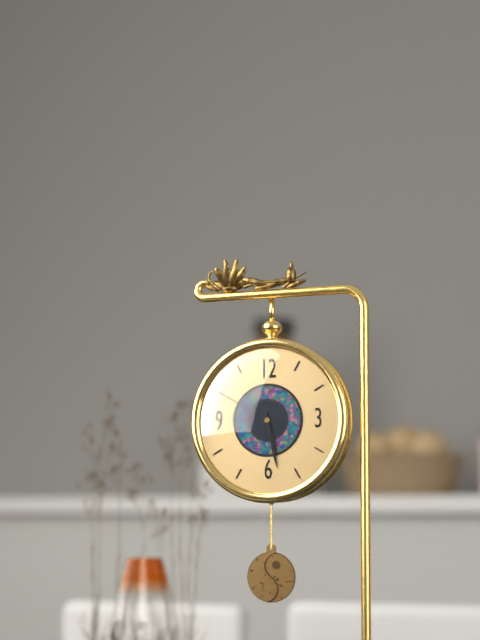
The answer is 5 h 28 min 50 s
